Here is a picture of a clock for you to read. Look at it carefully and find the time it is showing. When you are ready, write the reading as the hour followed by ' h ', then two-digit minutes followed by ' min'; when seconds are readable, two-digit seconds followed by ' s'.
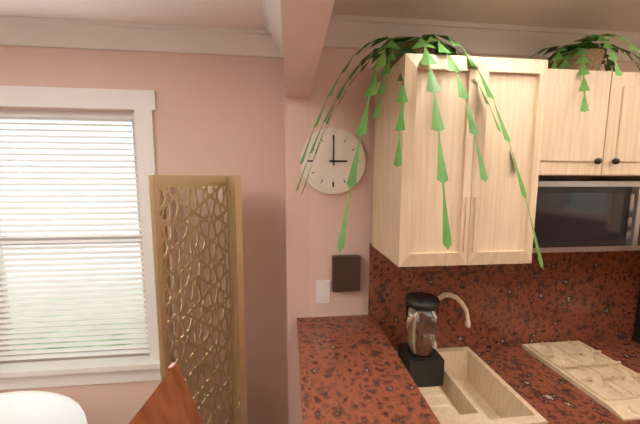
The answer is 3 h 00 min
